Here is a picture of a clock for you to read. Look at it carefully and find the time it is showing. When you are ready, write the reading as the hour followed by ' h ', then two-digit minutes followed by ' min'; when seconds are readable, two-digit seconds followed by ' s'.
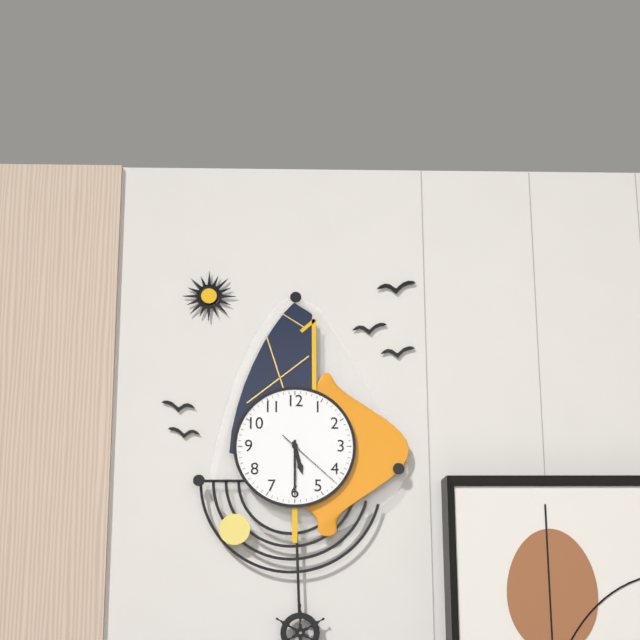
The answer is 5 h 30 min 22 s
